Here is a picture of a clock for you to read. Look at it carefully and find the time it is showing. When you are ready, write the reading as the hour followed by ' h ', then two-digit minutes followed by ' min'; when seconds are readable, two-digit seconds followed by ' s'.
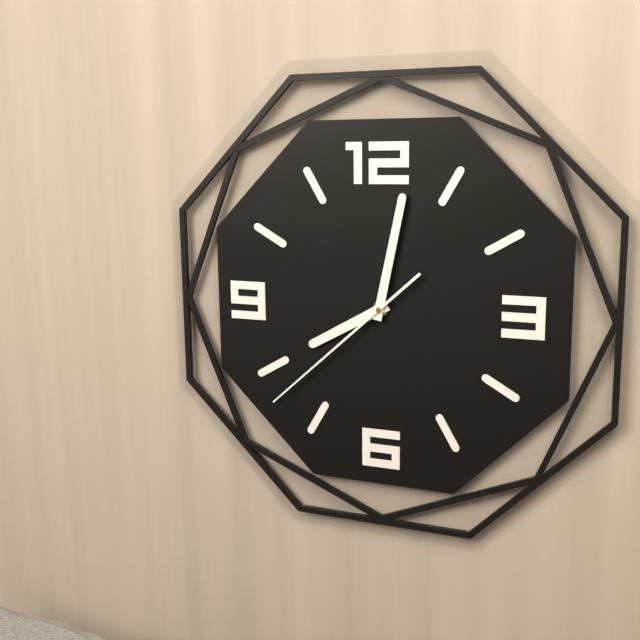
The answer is 8 h 02 min 38 s
